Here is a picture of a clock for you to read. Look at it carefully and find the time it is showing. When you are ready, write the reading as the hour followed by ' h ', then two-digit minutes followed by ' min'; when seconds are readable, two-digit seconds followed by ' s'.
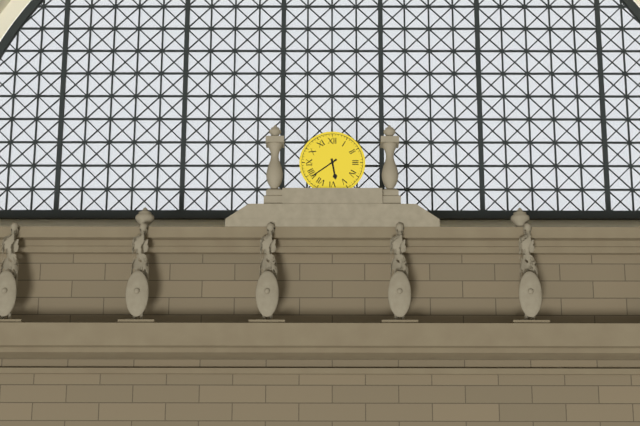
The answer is 5 h 39 min
